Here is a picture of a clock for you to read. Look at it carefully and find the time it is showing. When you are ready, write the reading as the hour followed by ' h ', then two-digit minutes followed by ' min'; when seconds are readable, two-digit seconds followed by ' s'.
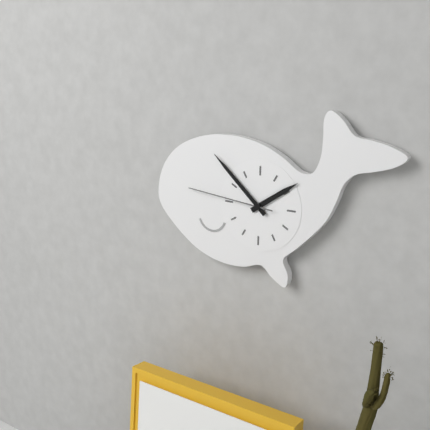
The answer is 1 h 52 min 46 s
